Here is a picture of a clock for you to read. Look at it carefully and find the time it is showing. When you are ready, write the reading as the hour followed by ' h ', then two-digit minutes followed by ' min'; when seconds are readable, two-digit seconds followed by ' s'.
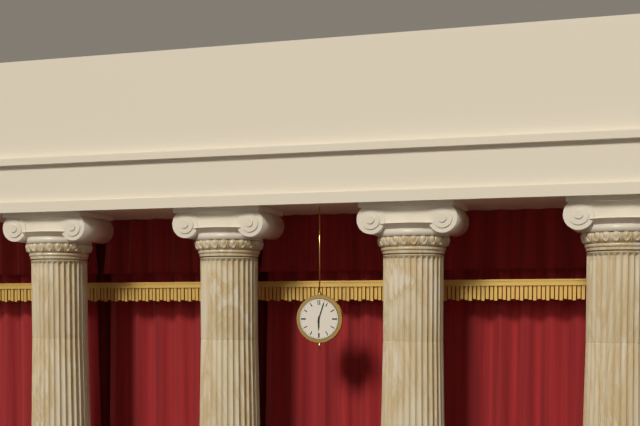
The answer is 6 h 03 min
